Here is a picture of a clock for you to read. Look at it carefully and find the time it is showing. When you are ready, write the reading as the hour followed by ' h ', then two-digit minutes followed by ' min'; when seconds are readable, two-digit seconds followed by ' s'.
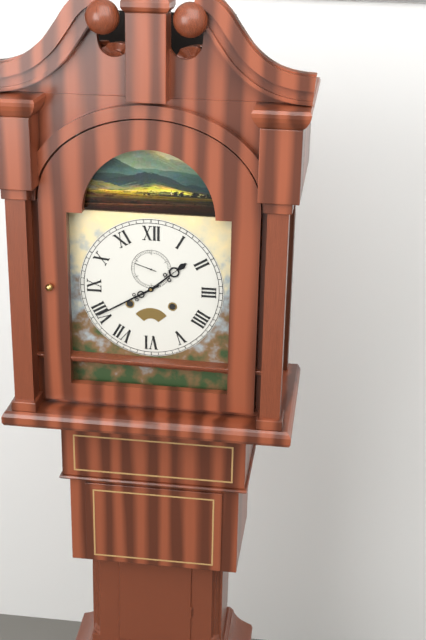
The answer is 1 h 40 min
